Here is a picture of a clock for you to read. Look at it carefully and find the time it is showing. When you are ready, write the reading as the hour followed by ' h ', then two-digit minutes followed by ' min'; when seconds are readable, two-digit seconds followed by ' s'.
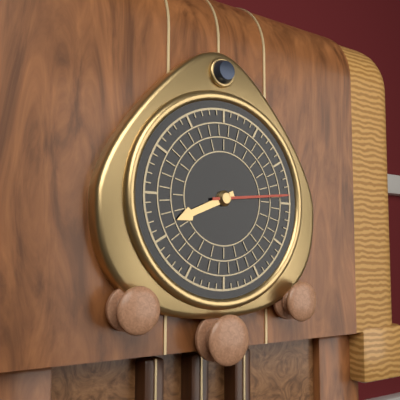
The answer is 8 h 14 min
